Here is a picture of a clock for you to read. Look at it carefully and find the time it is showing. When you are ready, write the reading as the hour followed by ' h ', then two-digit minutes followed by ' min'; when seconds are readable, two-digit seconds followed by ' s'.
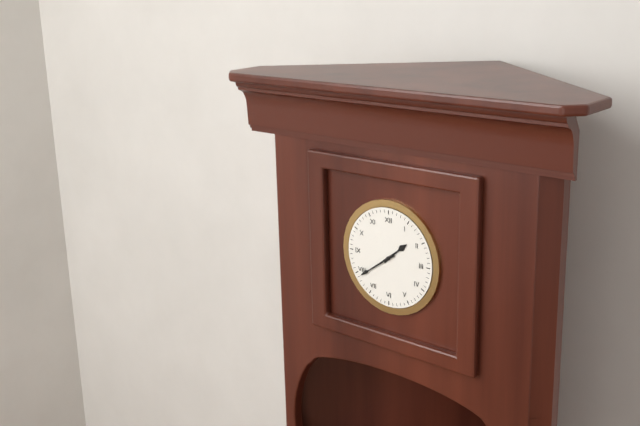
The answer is 1 h 39 min
